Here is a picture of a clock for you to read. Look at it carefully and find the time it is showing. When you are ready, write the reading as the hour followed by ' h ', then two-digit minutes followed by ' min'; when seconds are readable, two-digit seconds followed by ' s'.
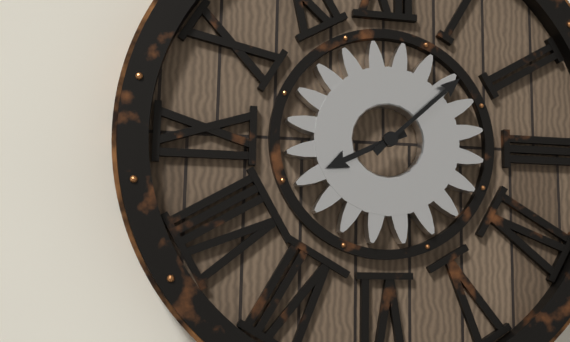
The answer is 8 h 08 min
